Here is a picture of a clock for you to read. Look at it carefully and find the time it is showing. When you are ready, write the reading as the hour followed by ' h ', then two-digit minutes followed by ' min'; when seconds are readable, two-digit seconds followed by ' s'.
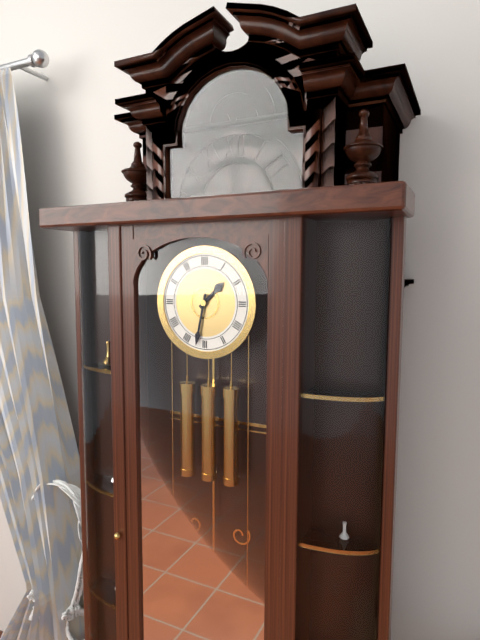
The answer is 1 h 32 min
